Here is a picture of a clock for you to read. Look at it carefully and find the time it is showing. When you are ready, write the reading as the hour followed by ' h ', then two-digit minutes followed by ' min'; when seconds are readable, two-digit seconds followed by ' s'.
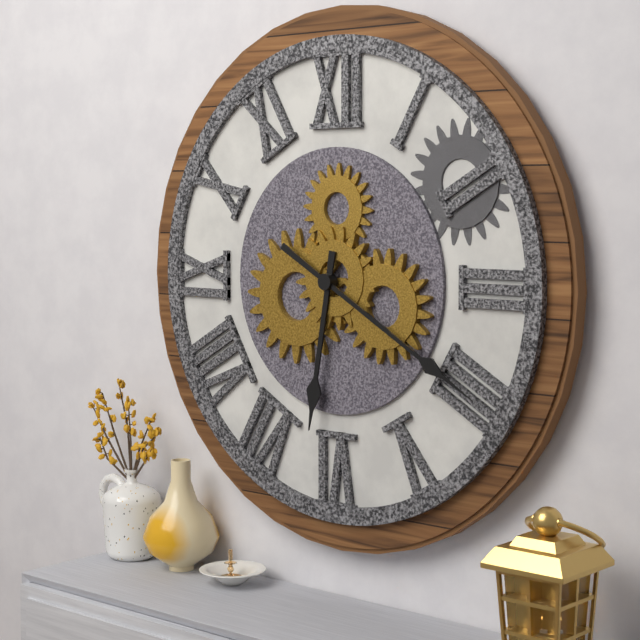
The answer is 6 h 20 min
